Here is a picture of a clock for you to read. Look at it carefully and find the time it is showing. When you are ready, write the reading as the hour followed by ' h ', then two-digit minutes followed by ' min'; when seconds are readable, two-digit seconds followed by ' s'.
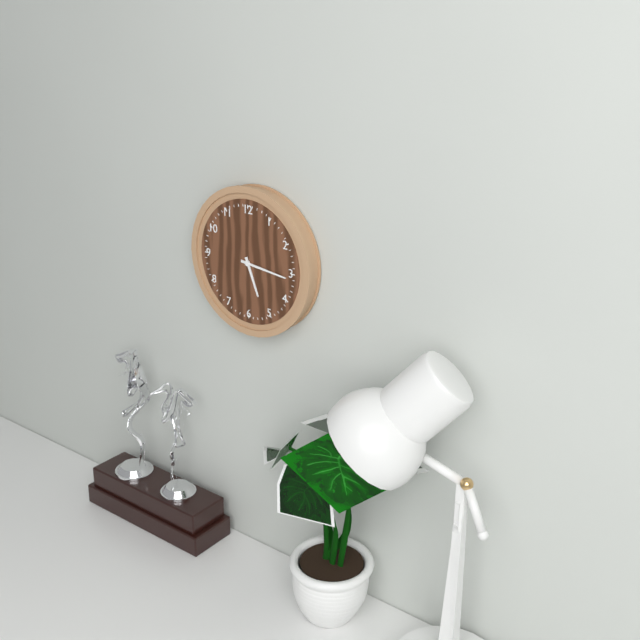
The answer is 5 h 16 min
